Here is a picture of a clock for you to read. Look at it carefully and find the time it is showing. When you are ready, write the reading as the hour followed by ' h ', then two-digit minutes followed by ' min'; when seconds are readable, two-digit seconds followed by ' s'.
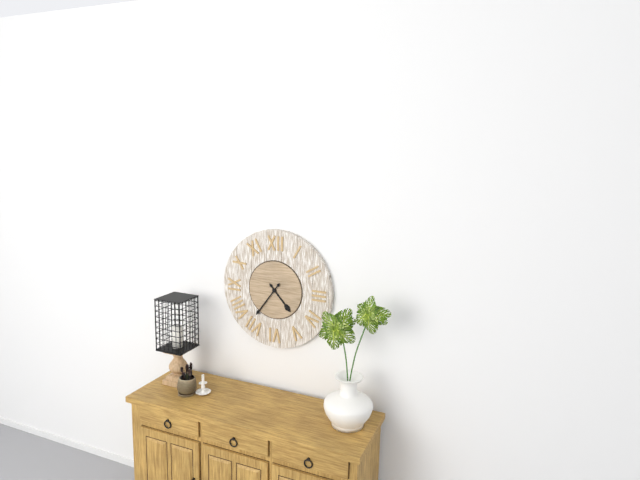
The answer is 4 h 36 min
